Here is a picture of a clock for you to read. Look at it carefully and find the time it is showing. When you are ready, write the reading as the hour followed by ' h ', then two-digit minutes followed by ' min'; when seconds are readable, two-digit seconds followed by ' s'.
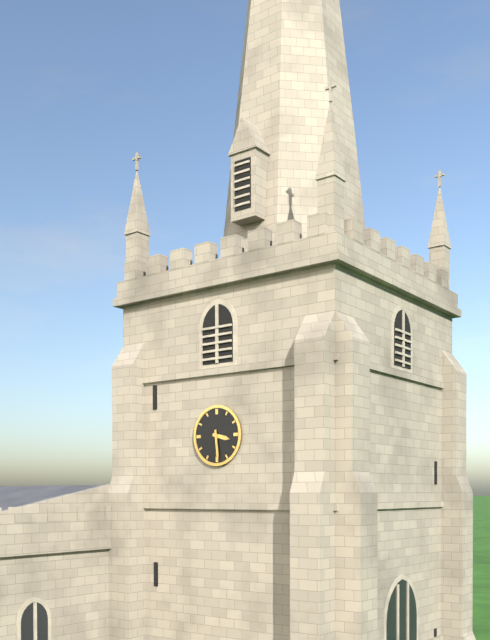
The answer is 3 h 29 min
